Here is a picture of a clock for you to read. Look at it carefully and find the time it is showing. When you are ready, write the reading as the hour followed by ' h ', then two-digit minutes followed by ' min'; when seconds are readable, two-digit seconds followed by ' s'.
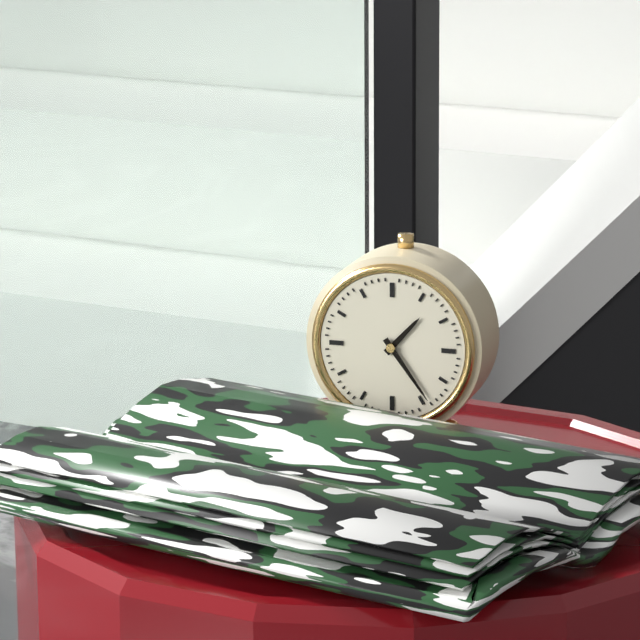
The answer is 1 h 24 min
